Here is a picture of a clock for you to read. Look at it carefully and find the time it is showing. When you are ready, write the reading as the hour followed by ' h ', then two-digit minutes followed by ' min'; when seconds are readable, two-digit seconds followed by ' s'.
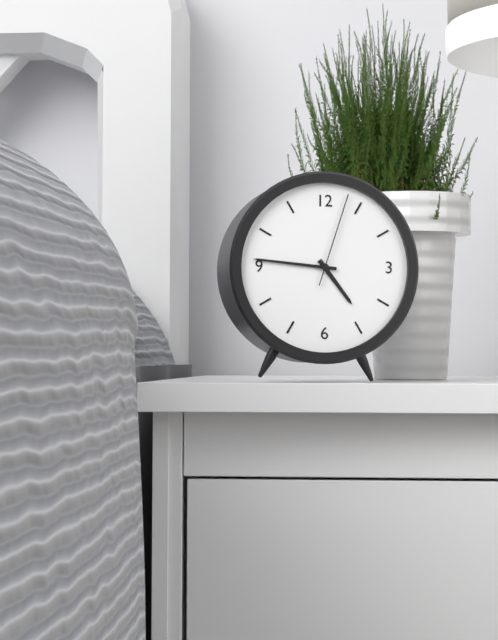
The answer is 4 h 46 min 03 s
